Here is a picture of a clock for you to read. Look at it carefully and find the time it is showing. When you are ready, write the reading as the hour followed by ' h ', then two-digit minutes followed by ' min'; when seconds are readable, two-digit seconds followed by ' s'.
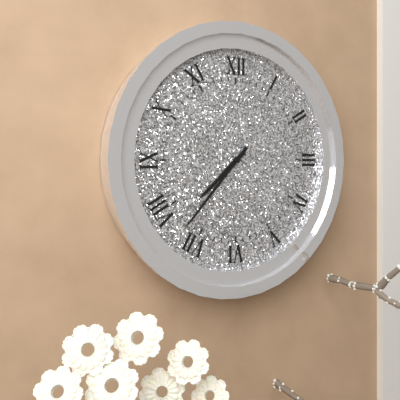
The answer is 7 h 37 min
